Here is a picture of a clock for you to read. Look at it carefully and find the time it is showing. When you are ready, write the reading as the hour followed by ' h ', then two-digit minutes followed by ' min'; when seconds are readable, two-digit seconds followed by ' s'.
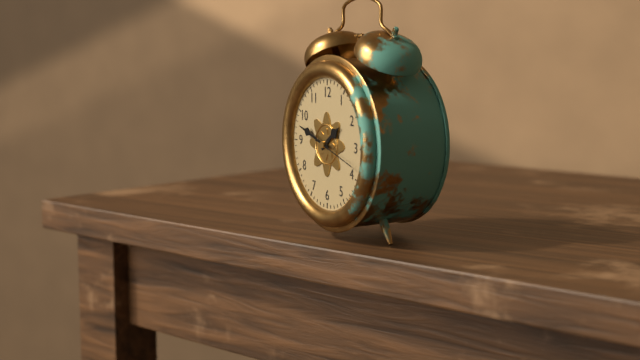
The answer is 1 h 48 min
